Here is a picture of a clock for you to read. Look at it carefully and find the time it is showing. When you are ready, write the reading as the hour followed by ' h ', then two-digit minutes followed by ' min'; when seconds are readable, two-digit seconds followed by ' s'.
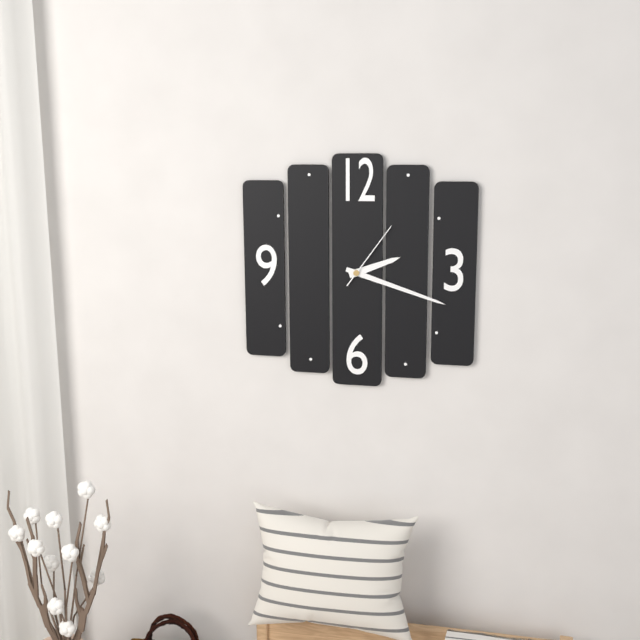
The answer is 2 h 18 min 06 s
